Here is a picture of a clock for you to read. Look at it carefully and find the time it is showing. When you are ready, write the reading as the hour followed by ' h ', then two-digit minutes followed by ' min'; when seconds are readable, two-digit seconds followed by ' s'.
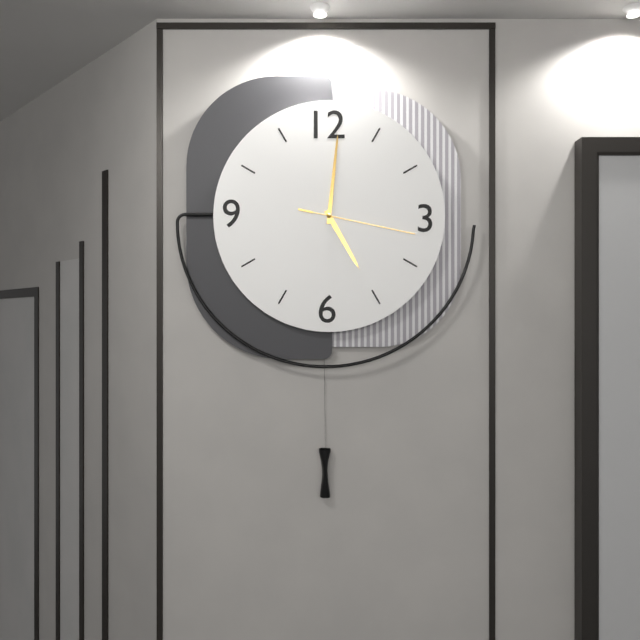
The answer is 5 h 01 min 17 s
